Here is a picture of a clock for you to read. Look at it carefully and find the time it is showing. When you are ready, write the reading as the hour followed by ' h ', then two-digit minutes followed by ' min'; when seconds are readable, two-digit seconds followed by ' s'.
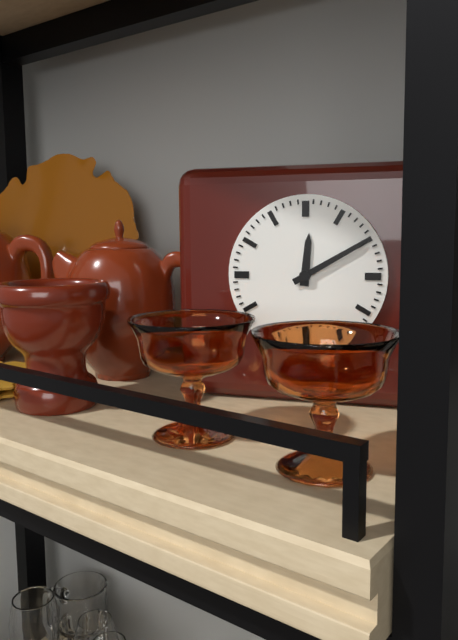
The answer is 12 h 10 min
